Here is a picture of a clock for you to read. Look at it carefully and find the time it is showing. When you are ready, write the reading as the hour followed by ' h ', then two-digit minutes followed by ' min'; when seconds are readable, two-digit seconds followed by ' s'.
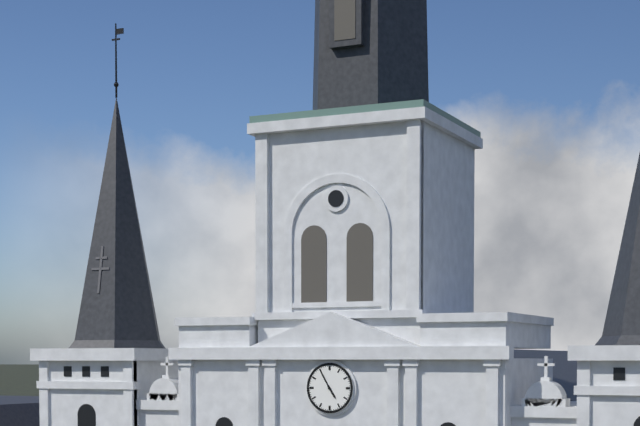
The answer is 4 h 55 min
